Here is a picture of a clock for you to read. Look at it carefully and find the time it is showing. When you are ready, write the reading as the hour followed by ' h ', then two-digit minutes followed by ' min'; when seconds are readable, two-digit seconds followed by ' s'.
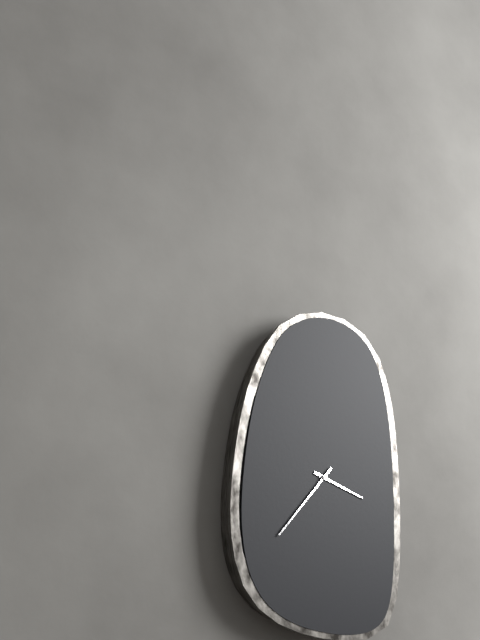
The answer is 3 h 37 min
